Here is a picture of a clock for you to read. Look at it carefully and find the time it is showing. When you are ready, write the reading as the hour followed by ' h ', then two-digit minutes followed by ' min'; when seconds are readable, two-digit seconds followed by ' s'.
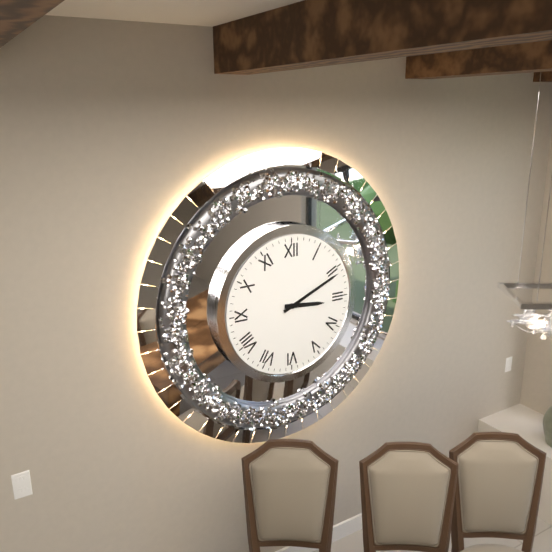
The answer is 3 h 11 min
